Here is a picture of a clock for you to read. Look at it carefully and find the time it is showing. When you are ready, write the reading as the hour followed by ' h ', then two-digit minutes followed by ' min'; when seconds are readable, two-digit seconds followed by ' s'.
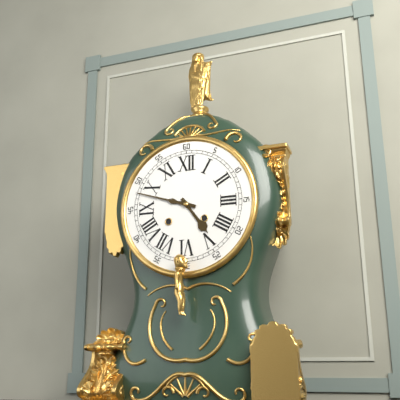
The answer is 4 h 48 min
